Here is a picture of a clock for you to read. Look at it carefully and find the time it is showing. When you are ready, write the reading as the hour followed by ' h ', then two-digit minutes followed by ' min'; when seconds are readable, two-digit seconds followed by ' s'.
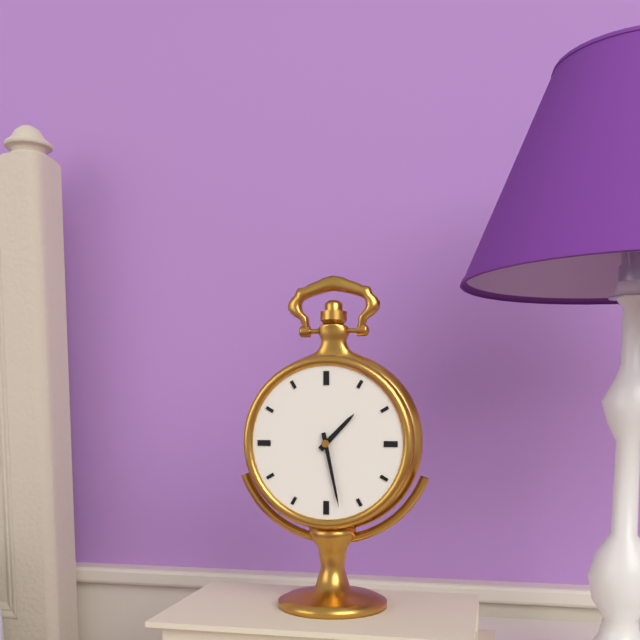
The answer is 1 h 28 min
